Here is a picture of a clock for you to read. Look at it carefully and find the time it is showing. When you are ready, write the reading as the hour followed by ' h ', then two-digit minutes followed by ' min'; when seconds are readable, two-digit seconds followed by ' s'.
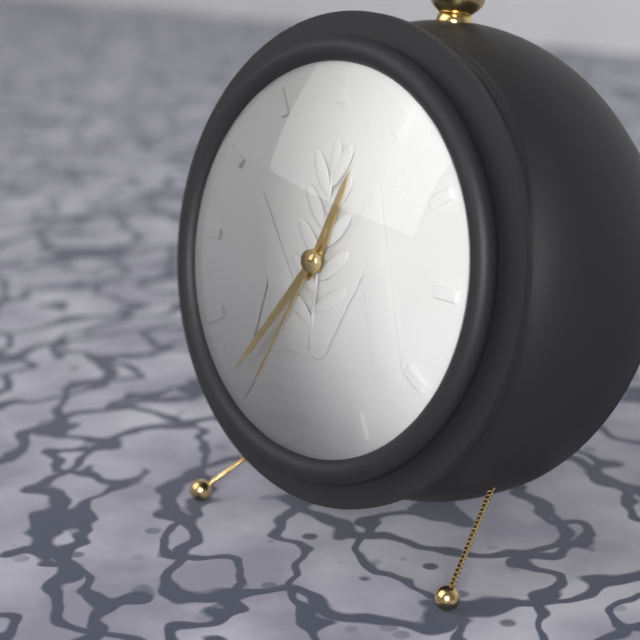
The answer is 12 h 36 min 34 s
